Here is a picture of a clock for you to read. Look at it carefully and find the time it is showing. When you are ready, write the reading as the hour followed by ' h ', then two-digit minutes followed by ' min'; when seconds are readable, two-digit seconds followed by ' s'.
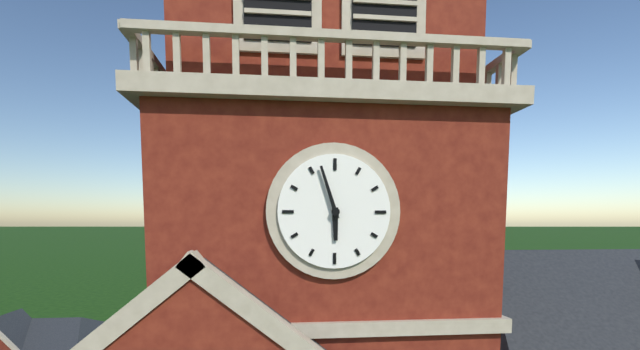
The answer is 5 h 57 min
